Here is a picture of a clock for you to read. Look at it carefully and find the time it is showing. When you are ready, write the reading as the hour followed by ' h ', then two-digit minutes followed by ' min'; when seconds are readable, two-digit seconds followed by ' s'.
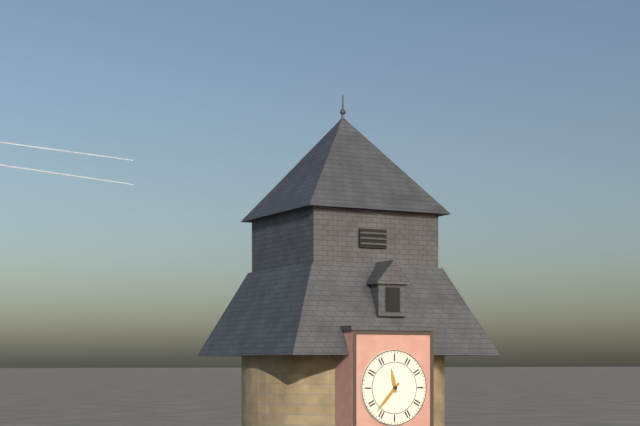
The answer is 11 h 37 min
